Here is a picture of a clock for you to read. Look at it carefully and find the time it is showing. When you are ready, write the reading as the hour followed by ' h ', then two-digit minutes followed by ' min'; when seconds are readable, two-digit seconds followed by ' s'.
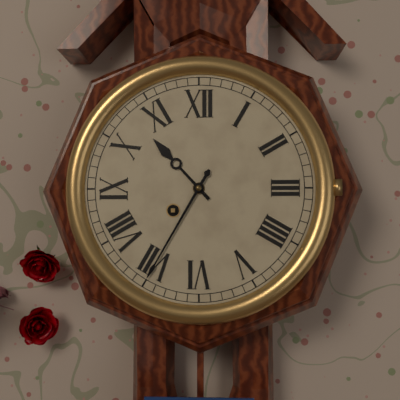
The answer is 10 h 35 min
